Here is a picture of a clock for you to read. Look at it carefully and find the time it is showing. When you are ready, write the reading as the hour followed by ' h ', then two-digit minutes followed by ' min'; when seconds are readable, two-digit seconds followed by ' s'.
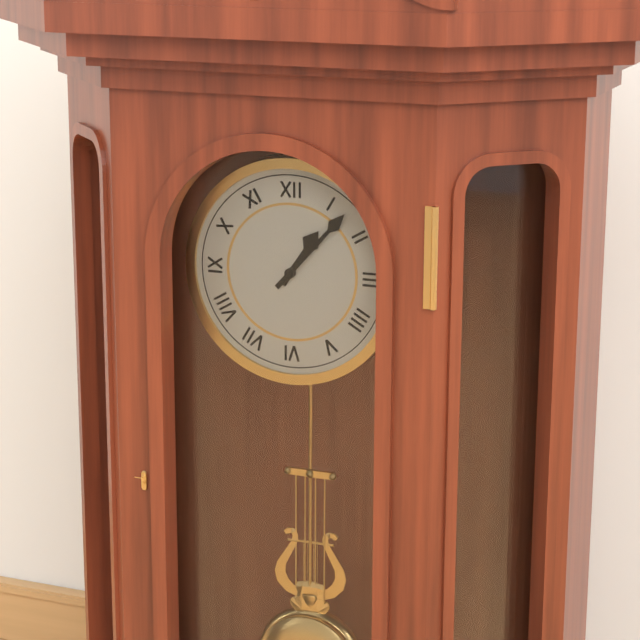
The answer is 1 h 07 min
